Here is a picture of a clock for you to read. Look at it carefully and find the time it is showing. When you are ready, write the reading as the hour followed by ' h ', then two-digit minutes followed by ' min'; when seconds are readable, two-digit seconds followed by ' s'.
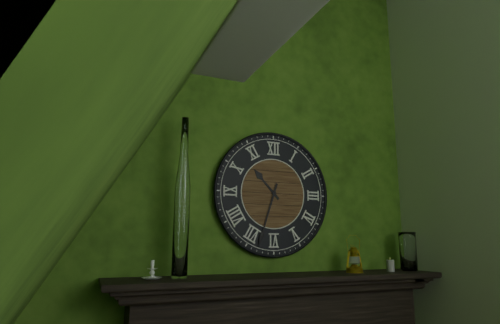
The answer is 10 h 33 min
